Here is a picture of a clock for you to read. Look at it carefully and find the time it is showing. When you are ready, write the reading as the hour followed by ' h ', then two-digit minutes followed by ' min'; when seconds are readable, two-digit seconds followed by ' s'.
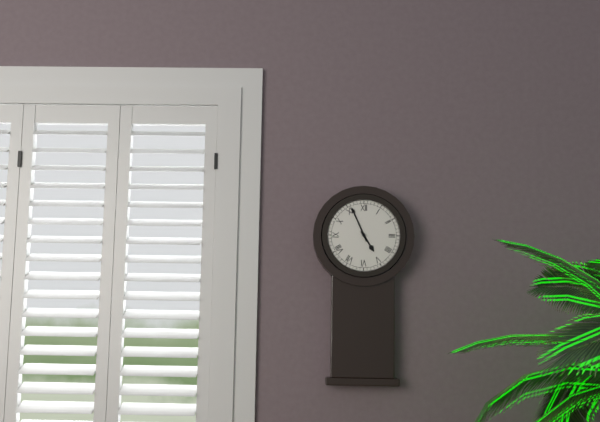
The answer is 4 h 56 min
